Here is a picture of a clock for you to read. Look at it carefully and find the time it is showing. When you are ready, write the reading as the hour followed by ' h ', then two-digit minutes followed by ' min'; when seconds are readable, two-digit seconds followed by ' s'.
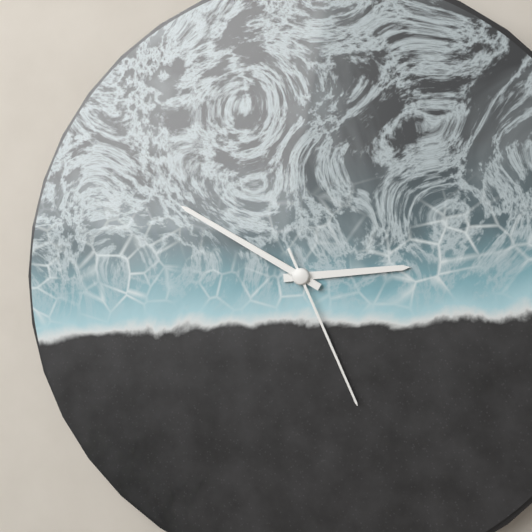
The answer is 2 h 50 min 26 s
